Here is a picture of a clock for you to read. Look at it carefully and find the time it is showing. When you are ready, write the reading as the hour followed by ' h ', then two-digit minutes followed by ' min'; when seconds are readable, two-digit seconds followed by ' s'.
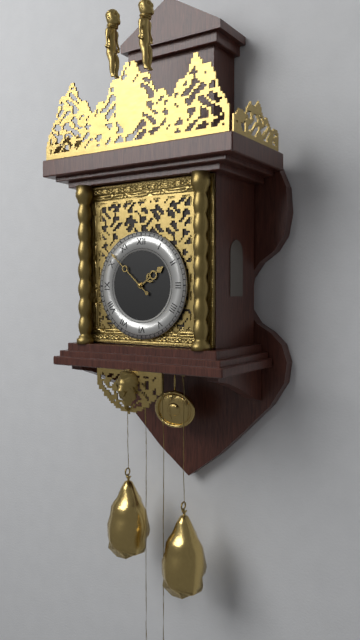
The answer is 1 h 52 min
